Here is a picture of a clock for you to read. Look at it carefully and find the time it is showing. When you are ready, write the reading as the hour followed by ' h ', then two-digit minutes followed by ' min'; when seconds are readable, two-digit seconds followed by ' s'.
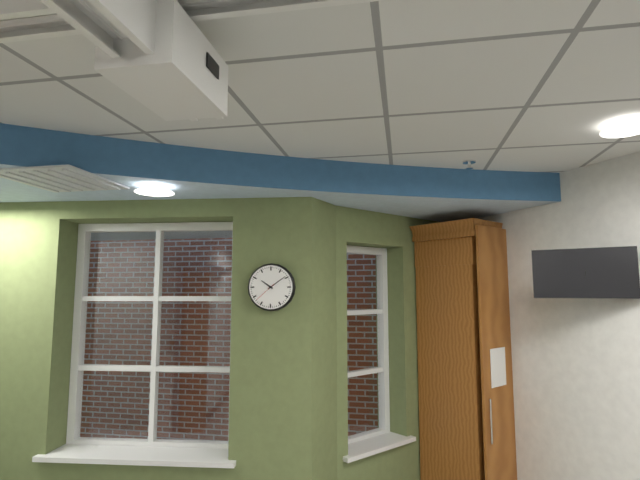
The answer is 10 h 09 min
